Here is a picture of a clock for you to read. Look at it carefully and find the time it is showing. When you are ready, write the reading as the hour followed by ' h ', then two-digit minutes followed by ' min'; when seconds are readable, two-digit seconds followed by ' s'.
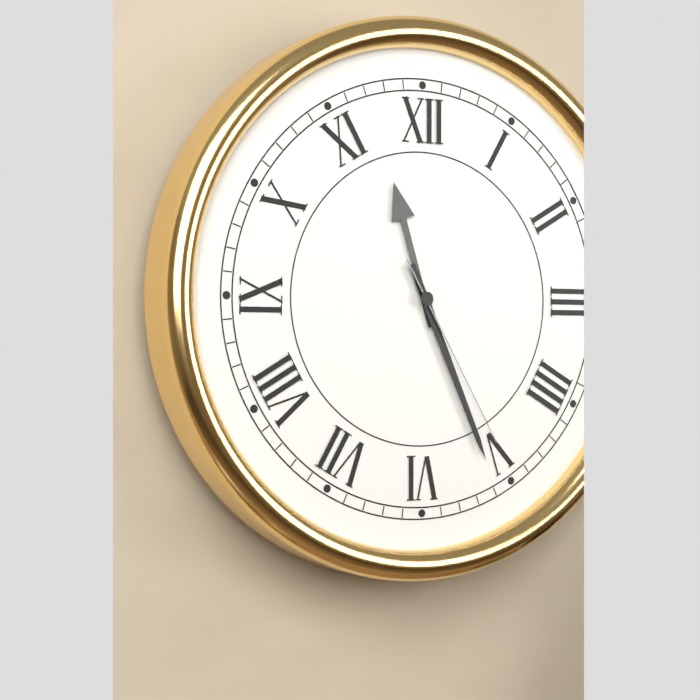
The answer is 11 h 26 min 25 s
